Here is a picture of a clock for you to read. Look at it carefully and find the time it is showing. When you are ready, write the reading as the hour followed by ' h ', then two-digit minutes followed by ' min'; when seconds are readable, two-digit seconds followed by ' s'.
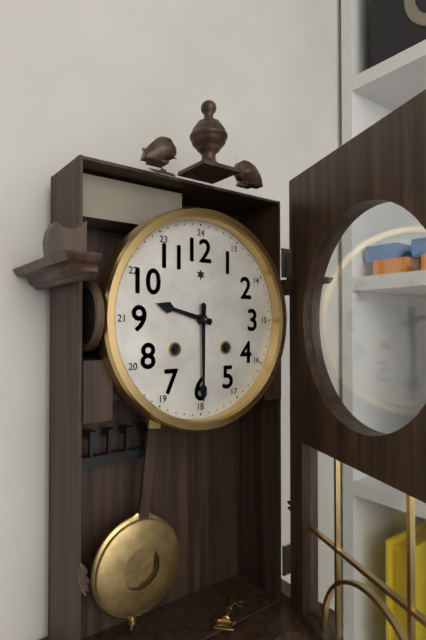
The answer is 9 h 30 min
